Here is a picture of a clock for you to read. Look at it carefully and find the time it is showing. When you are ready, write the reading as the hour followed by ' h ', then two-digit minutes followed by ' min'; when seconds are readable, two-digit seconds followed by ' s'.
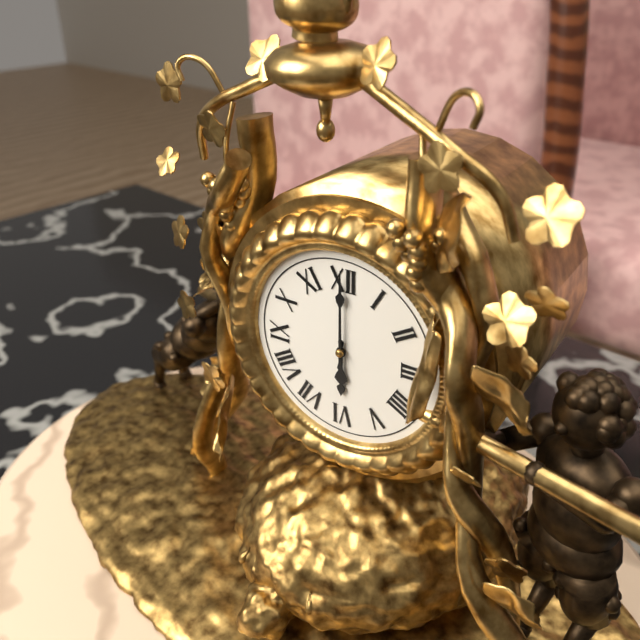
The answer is 6 h 00 min
